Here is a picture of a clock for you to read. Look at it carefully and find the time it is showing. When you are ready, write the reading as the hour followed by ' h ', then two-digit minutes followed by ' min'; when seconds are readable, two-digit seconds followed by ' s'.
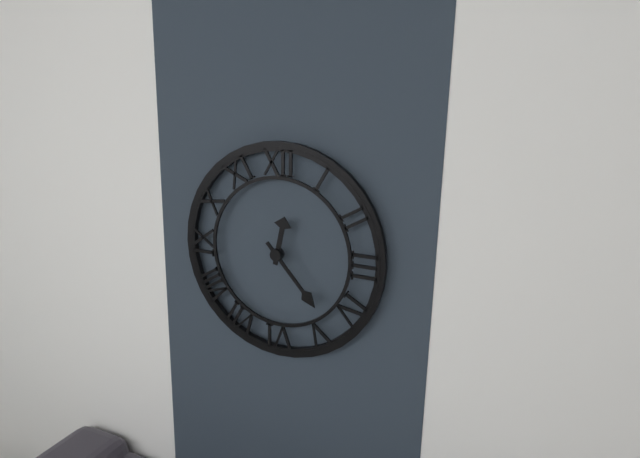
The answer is 12 h 23 min
